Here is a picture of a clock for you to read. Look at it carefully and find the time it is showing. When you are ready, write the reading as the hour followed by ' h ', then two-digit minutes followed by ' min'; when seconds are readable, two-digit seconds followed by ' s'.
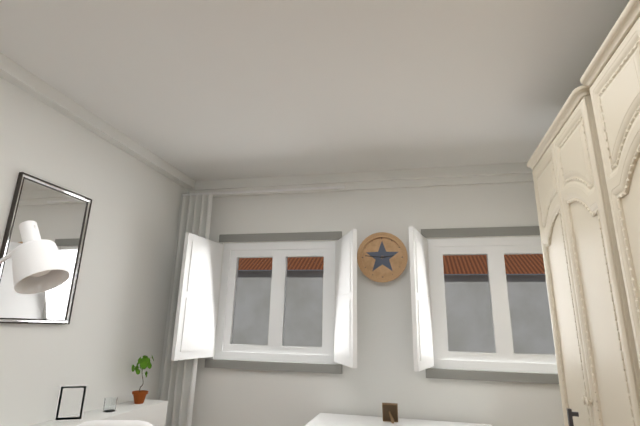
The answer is 2 h 46 min
